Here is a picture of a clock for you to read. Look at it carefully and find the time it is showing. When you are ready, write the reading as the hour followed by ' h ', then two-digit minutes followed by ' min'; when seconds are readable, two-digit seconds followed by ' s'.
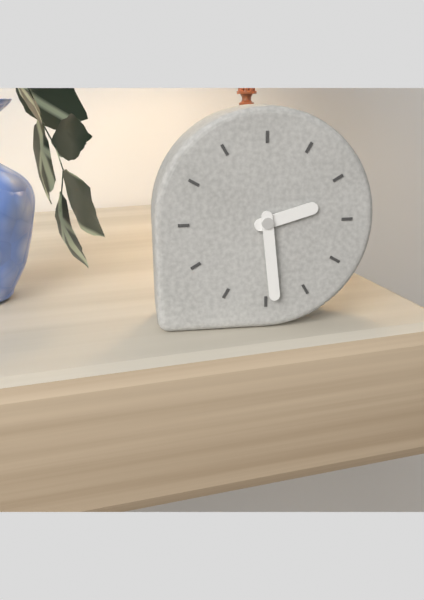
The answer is 2 h 29 min
